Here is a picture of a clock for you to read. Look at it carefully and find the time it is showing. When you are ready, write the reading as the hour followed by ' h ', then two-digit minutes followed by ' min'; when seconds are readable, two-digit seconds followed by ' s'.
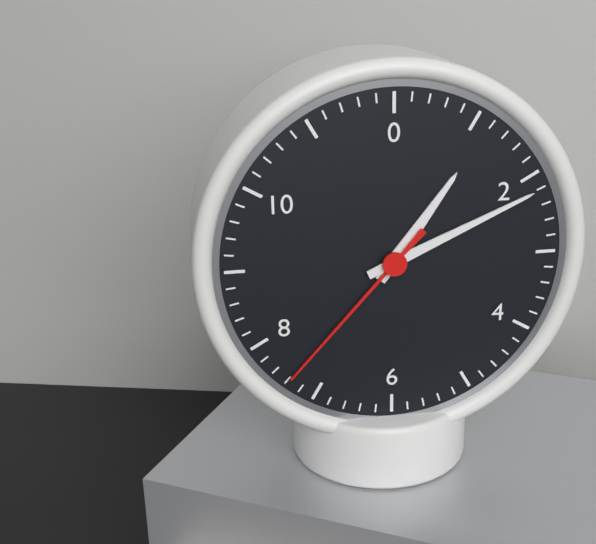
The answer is 1 h 11 min 37 s
